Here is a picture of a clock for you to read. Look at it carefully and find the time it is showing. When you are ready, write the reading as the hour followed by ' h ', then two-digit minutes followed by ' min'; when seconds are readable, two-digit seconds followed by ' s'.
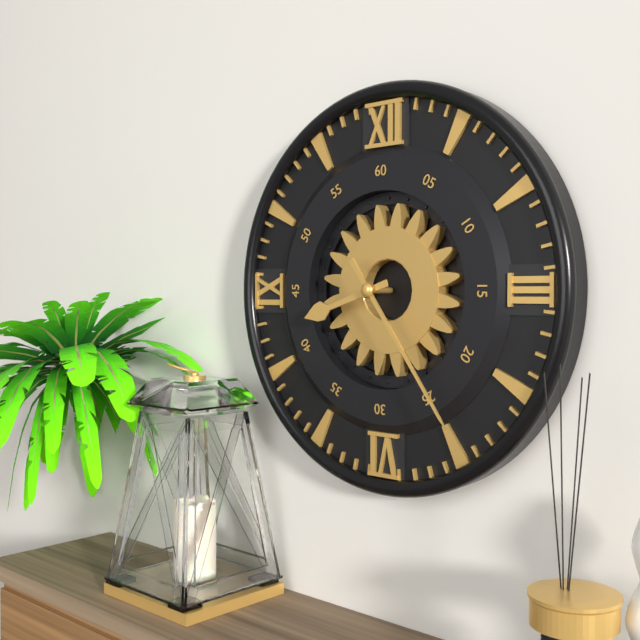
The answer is 8 h 24 min
